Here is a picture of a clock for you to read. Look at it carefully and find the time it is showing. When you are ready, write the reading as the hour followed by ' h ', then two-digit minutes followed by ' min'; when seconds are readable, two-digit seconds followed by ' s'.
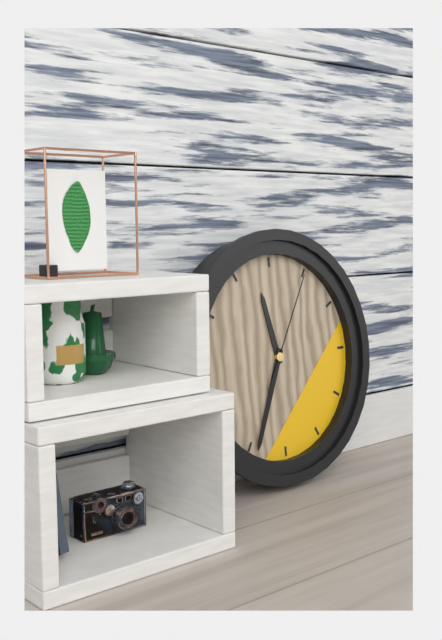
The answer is 11 h 34 min 05 s
